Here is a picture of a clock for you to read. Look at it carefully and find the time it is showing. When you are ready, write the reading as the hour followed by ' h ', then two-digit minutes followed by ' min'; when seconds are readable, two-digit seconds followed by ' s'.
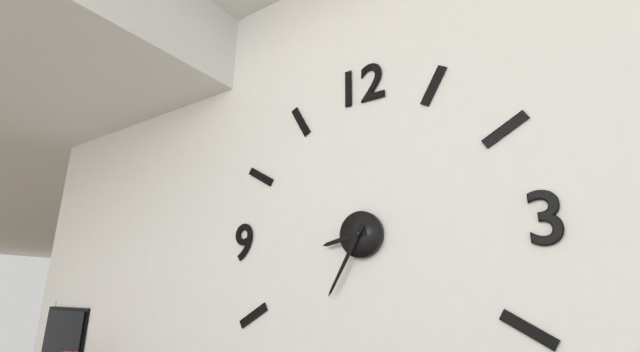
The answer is 8 h 35 min
